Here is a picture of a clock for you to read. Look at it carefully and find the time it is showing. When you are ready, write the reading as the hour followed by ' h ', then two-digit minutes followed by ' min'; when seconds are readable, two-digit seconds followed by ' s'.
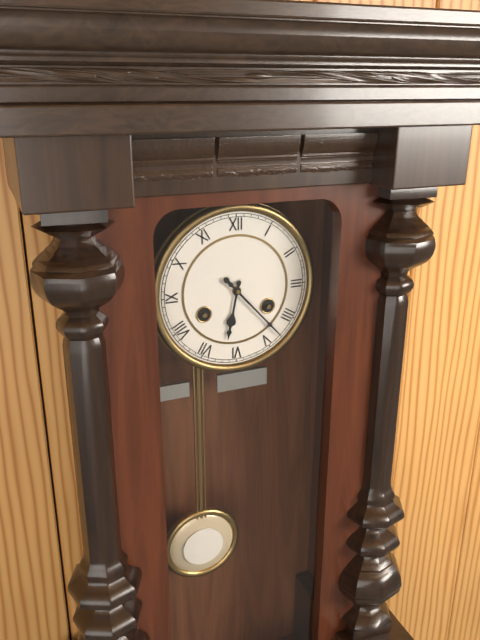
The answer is 6 h 23 min
